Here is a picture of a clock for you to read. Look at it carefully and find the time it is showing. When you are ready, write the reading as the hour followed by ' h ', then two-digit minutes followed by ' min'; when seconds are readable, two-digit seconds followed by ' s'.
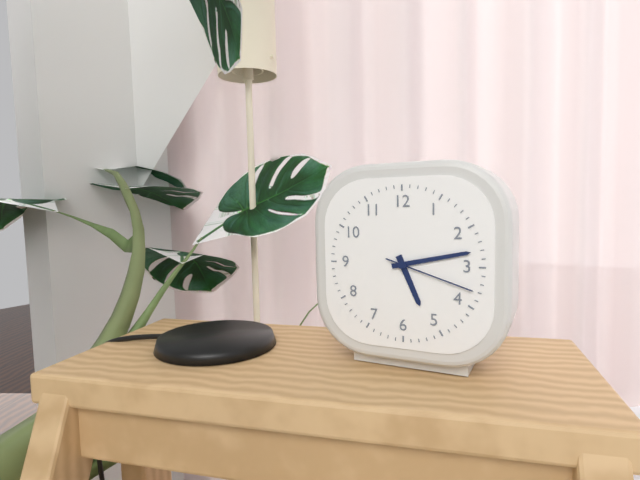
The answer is 5 h 13 min 18 s
